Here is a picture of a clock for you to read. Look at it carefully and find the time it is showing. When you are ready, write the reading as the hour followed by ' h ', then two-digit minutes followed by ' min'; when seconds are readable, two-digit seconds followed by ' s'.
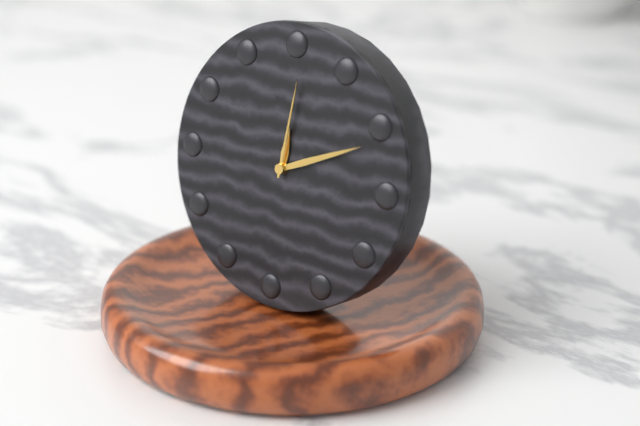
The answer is 12 h 11 min 01 s
